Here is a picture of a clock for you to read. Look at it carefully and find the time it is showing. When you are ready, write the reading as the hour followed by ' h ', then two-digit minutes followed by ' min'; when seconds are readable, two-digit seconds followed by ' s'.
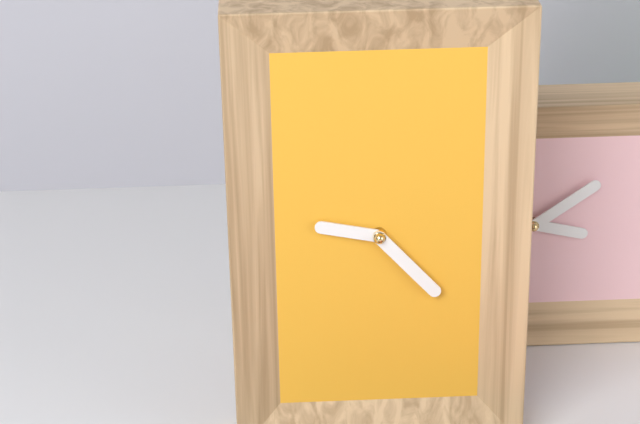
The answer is 9 h 23 min
